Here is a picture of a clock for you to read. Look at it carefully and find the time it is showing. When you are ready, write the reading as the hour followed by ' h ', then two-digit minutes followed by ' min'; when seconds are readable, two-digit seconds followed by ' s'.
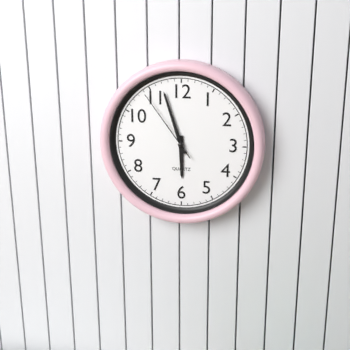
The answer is 5 h 57 min 54 s
